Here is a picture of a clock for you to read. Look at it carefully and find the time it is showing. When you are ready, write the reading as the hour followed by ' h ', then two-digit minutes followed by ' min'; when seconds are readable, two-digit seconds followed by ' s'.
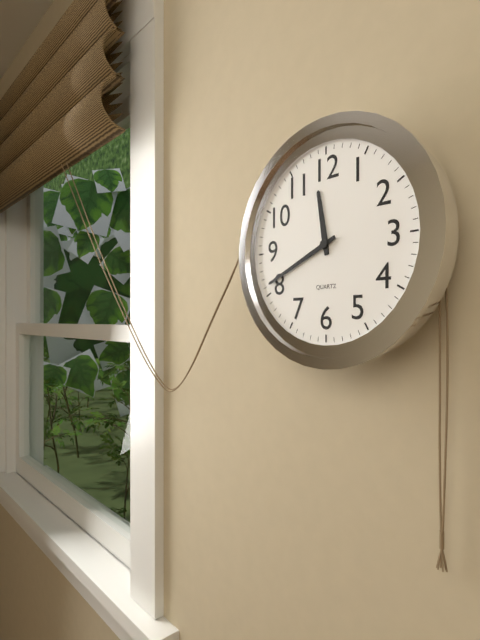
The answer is 11 h 41 min
